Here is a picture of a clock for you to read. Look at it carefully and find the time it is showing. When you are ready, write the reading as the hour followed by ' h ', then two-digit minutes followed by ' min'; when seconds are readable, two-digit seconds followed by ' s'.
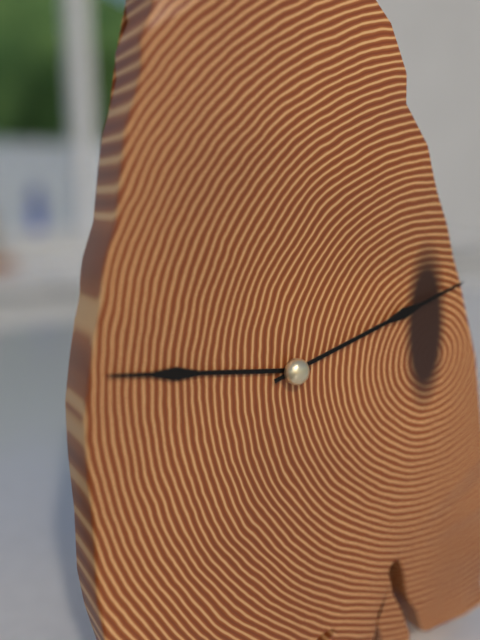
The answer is 9 h 12 min
